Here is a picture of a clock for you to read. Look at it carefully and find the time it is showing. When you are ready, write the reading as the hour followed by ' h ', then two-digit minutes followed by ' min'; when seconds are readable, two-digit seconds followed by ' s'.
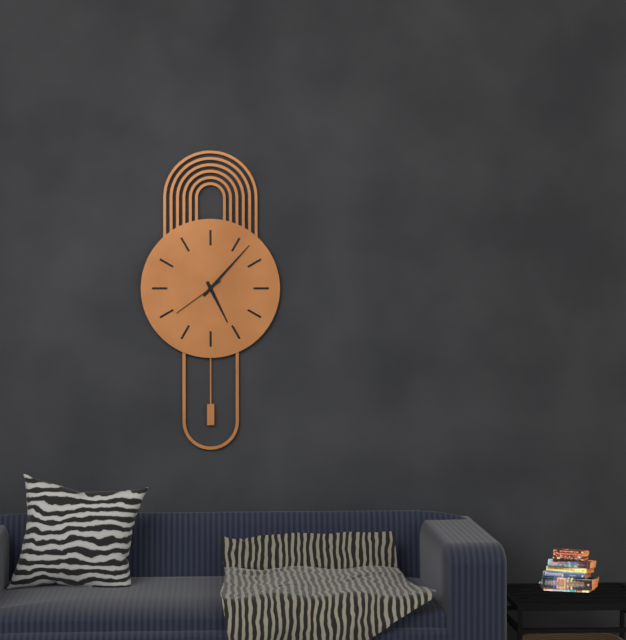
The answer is 5 h 07 min 39 s
